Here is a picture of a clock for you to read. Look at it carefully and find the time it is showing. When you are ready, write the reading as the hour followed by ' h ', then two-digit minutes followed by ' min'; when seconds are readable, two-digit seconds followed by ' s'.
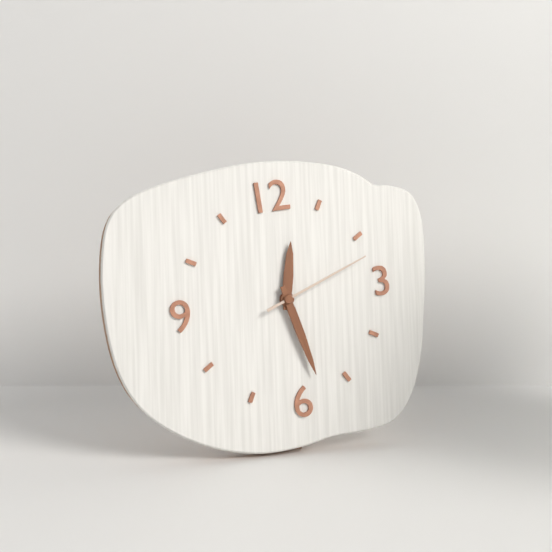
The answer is 12 h 28 min 12 s
